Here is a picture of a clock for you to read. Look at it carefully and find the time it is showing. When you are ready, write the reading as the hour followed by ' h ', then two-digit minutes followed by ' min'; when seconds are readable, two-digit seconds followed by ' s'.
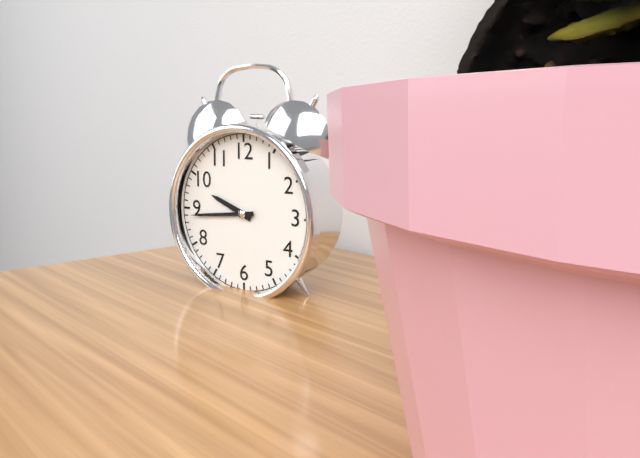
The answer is 9 h 44 min
